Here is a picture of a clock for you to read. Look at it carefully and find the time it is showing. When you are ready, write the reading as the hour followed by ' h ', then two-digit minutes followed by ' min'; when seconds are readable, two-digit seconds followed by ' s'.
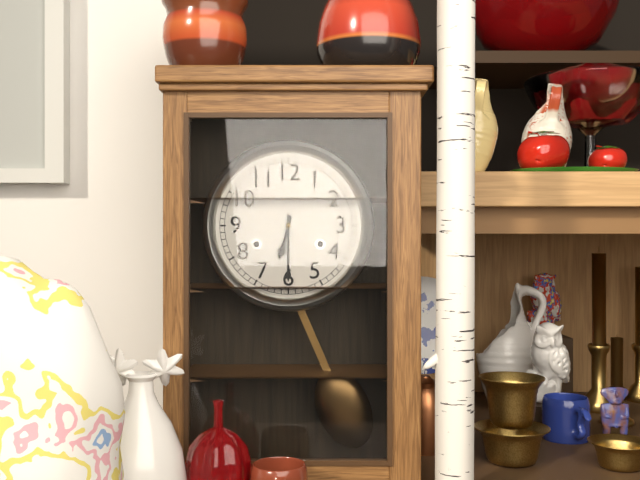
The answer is 6 h 30 min
